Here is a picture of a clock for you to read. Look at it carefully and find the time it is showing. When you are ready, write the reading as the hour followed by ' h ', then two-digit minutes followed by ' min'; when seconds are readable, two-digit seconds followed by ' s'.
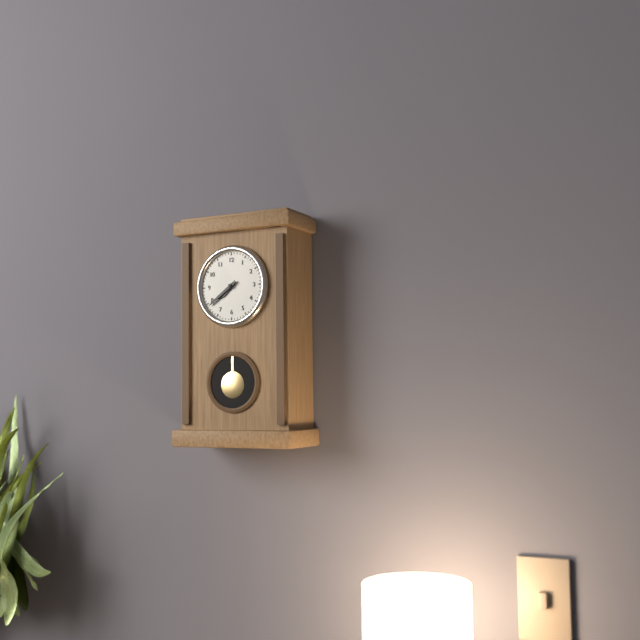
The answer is 7 h 39 min
